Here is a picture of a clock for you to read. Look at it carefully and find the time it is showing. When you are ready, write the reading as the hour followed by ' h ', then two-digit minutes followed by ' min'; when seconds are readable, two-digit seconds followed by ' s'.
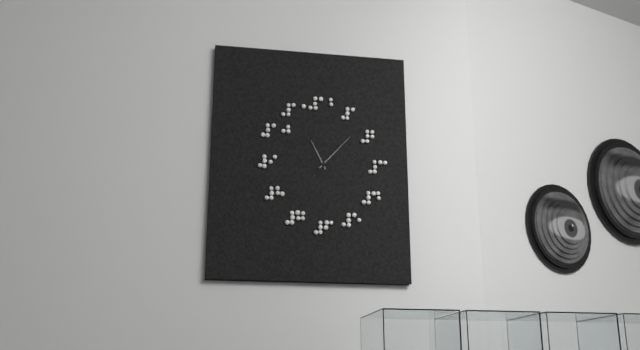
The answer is 11 h 07 min
